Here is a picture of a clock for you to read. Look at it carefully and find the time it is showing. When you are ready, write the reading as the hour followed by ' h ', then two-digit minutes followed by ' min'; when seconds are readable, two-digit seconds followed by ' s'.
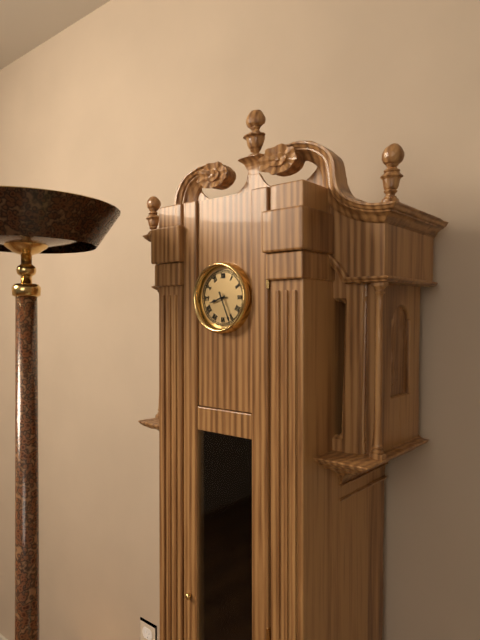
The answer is 8 h 26 min
